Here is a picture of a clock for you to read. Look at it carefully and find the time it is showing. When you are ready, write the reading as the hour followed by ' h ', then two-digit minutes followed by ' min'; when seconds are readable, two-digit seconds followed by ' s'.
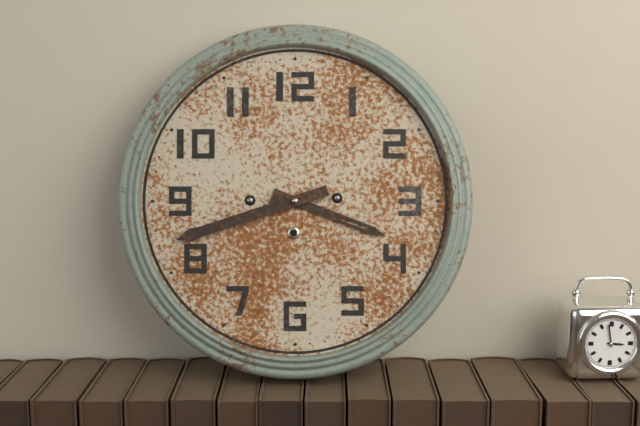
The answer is 3 h 42 min
